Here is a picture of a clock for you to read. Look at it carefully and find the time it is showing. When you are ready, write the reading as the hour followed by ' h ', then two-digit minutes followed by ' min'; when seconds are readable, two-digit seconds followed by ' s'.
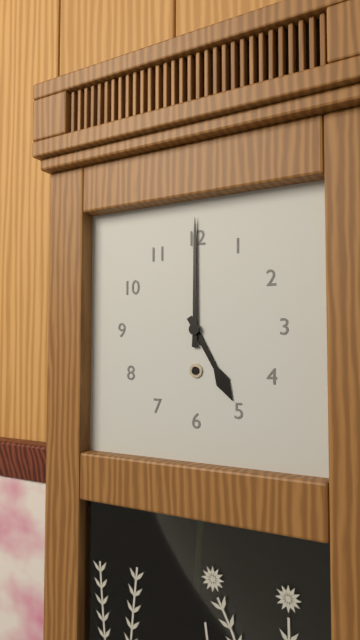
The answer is 5 h 00 min
